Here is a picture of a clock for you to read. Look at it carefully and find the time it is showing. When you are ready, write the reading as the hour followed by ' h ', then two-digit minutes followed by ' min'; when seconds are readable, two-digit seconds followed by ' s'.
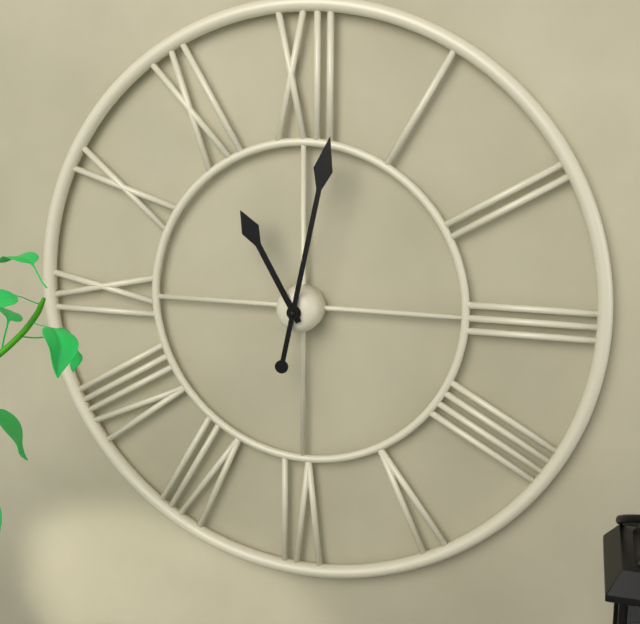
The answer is 11 h 02 min
